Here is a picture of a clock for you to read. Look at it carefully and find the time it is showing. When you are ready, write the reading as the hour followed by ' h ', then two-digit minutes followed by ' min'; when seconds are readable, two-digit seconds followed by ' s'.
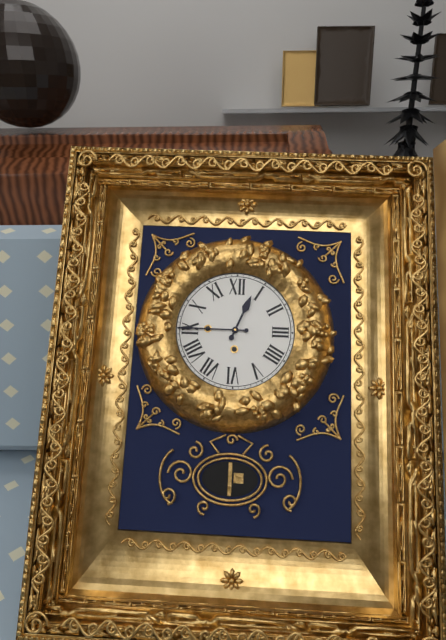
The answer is 12 h 45 min
